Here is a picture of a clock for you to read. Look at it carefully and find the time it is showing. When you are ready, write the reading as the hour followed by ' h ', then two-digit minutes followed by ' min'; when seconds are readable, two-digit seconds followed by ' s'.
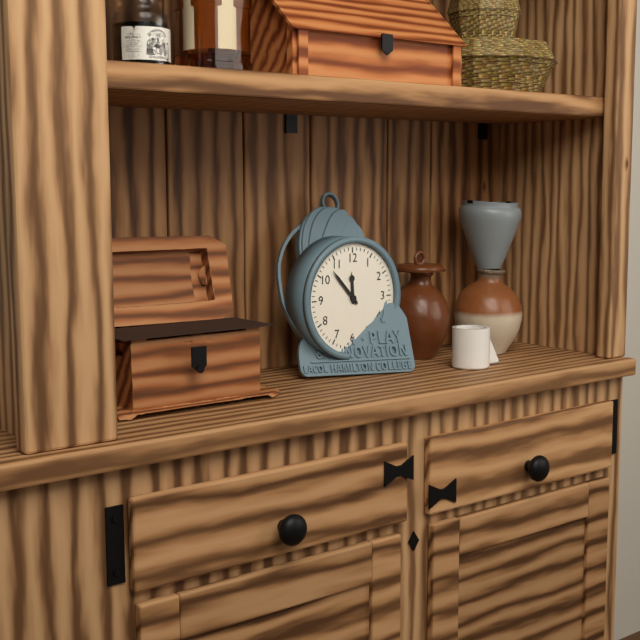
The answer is 11 h 53 min
